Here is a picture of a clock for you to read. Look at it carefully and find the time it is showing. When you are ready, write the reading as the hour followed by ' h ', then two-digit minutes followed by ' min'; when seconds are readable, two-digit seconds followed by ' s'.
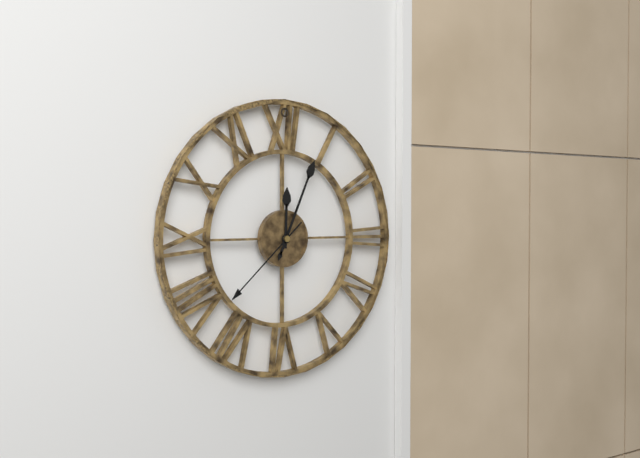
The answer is 12 h 04 min 38 s
